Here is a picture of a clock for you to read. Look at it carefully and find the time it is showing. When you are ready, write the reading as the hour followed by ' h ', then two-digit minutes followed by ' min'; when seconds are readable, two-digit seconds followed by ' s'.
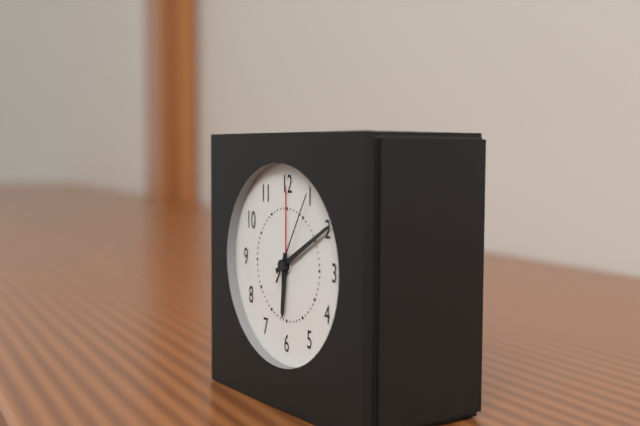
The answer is 6 h 10 min 05 s
